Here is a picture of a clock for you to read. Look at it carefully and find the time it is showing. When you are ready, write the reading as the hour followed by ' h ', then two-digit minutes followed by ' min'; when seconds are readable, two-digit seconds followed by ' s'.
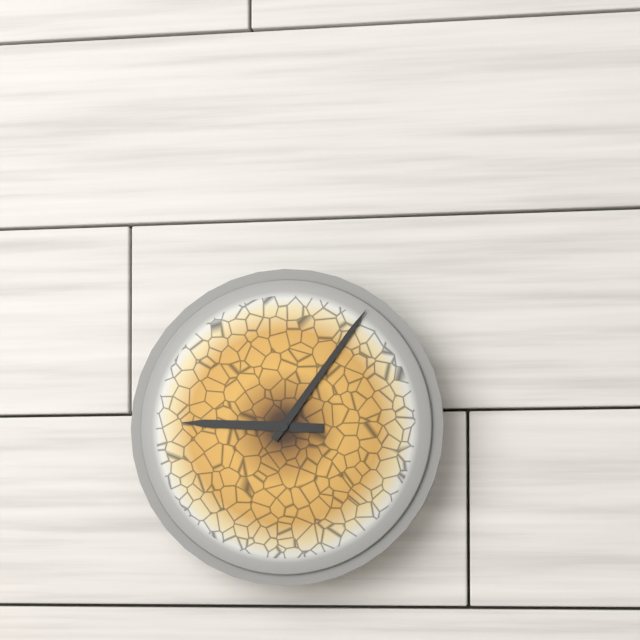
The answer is 9 h 06 min
